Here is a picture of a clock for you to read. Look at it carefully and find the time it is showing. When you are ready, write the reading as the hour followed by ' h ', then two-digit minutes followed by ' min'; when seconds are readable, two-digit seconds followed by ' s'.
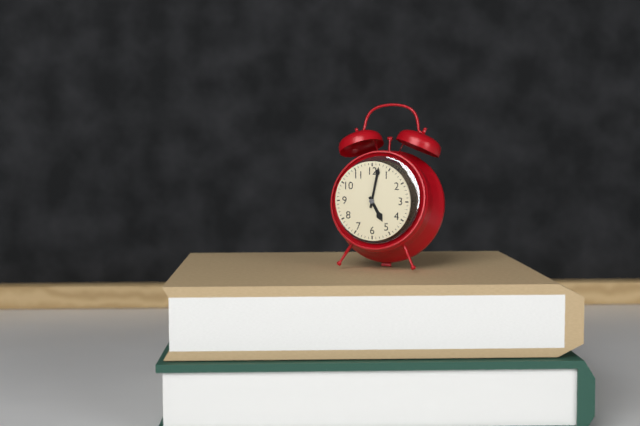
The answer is 5 h 02 min
